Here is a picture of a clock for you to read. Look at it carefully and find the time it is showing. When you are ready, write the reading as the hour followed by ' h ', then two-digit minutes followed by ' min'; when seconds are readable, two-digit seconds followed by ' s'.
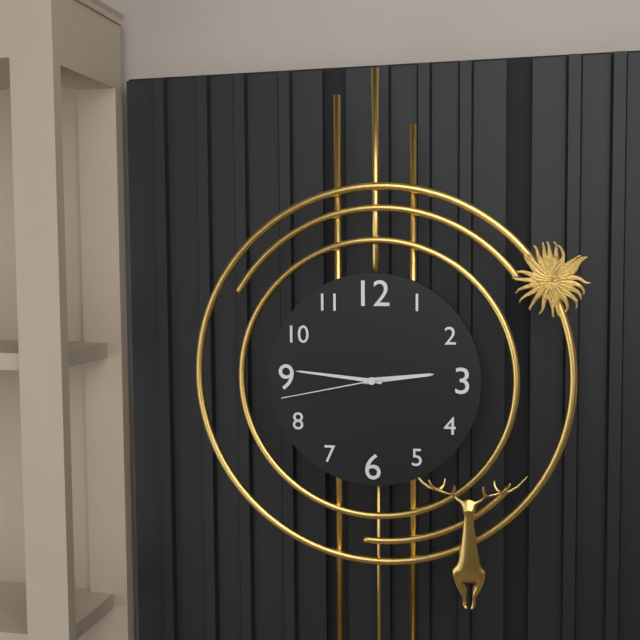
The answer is 2 h 46 min 43 s
